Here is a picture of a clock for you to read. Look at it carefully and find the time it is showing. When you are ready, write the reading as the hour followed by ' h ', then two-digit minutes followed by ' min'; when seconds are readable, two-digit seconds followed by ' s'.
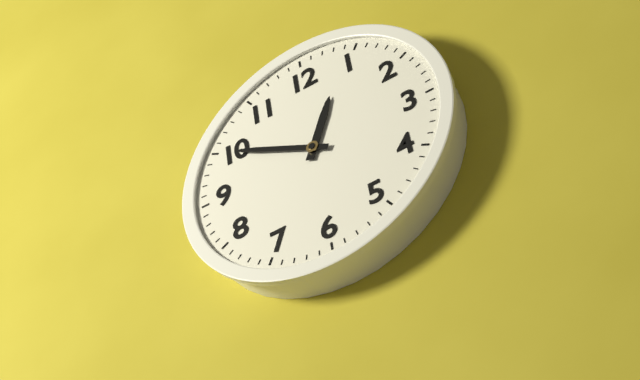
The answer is 12 h 50 min
